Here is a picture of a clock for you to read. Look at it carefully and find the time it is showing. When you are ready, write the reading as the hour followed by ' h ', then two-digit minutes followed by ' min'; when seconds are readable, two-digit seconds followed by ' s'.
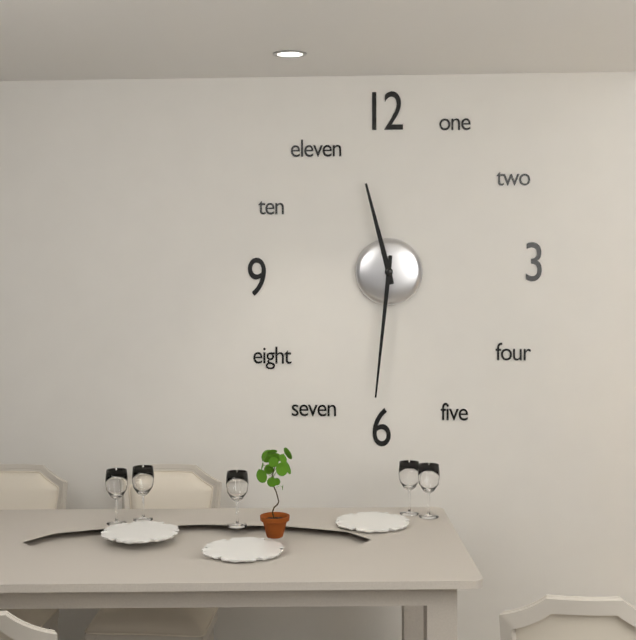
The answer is 11 h 31 min
